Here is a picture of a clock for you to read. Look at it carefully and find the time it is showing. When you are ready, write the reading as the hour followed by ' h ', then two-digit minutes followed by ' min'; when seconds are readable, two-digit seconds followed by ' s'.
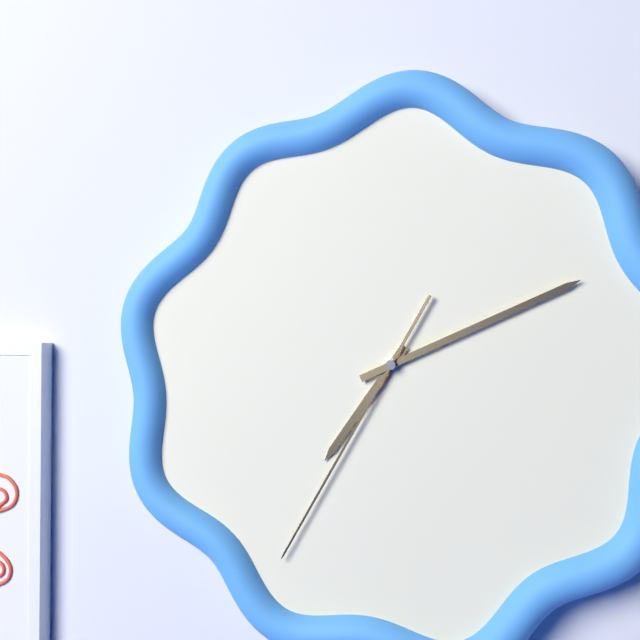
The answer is 7 h 11 min 35 s
